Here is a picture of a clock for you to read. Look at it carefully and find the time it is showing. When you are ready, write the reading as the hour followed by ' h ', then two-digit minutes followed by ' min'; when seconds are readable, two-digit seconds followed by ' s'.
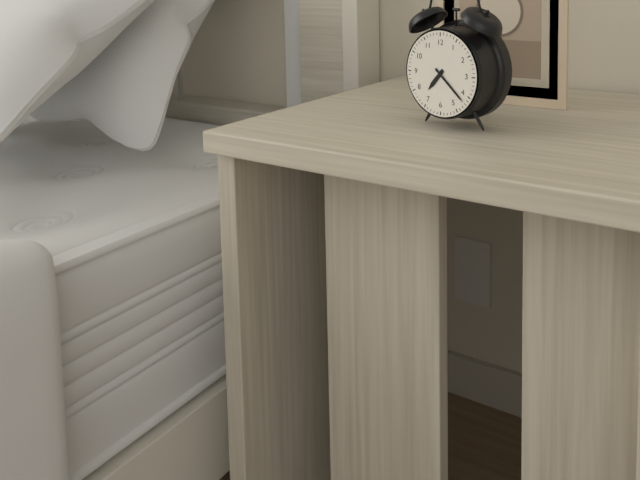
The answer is 7 h 22 min
